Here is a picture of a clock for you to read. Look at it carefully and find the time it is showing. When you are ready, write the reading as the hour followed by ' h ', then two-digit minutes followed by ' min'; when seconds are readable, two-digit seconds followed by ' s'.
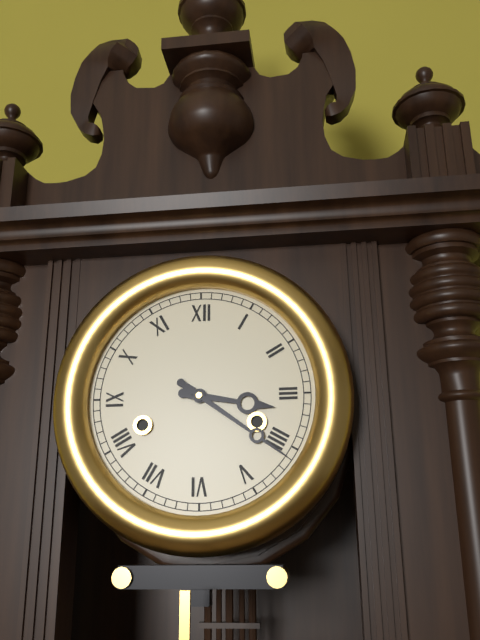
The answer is 3 h 21 min
